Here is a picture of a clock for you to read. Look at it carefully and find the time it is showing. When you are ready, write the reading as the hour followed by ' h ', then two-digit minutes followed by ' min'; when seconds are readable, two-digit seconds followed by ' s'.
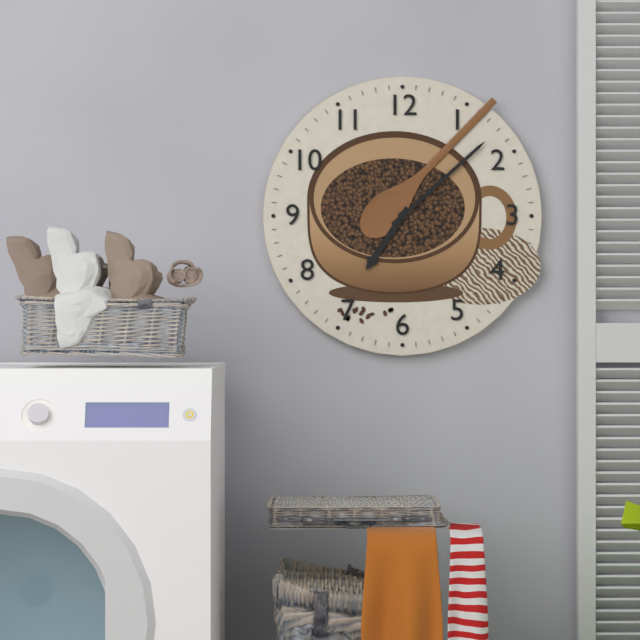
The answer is 7 h 08 min
